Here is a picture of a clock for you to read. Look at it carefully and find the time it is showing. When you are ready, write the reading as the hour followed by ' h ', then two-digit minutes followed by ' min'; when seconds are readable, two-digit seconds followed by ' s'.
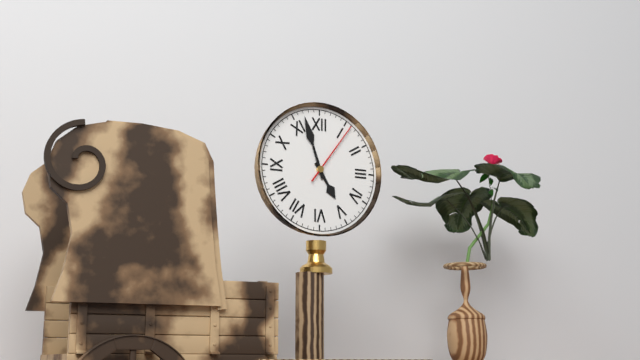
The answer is 4 h 57 min 06 s
